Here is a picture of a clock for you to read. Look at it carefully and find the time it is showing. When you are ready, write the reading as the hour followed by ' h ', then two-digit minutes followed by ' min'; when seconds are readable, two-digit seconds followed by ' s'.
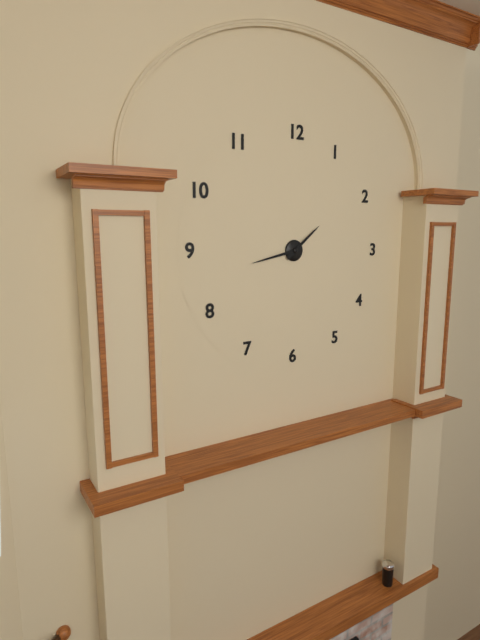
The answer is 1 h 43 min
